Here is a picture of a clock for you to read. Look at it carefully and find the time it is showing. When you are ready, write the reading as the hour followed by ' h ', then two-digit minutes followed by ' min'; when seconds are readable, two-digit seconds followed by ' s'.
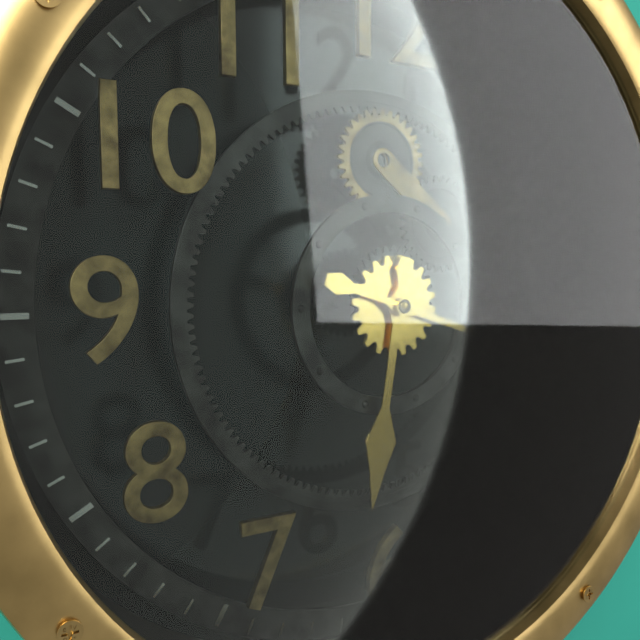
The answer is 6 h 18 min
